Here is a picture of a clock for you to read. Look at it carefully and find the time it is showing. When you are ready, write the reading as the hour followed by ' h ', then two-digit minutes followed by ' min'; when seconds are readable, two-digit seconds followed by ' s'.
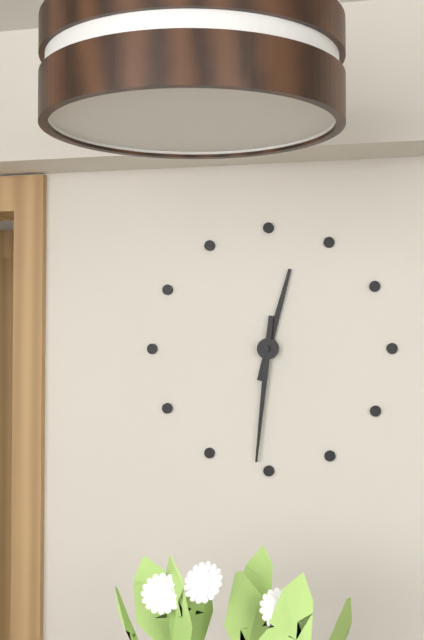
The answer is 12 h 31 min
